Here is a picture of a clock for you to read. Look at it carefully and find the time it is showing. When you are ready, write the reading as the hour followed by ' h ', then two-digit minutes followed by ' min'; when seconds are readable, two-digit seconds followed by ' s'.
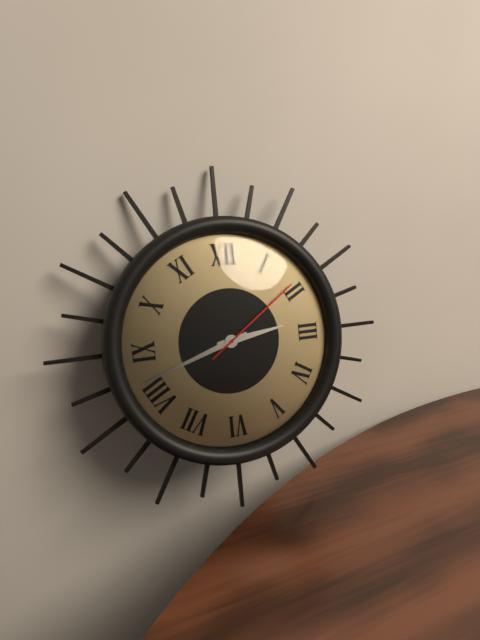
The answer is 2 h 42 min 09 s
